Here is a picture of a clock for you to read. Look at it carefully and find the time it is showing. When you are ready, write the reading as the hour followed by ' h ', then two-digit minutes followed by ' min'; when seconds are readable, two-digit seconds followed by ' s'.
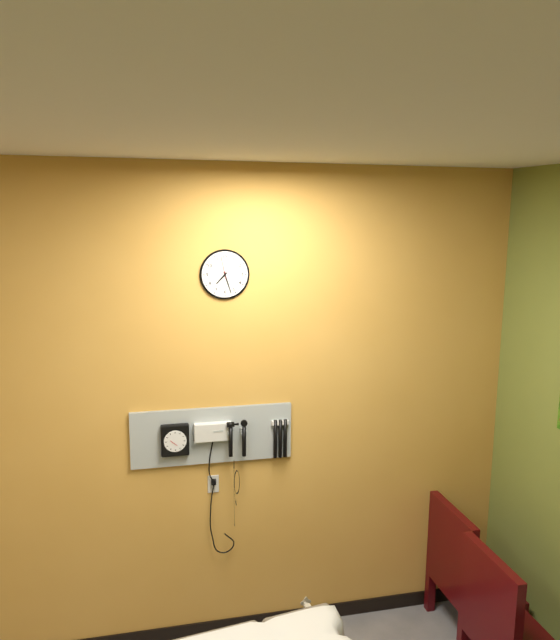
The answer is 7 h 27 min
